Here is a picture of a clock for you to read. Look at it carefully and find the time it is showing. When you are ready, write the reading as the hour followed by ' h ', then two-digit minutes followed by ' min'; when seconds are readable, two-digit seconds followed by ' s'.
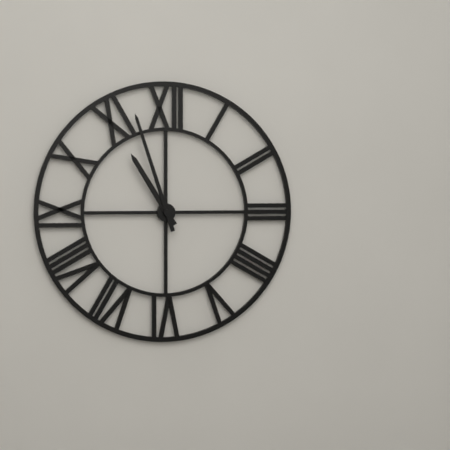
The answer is 10 h 57 min
